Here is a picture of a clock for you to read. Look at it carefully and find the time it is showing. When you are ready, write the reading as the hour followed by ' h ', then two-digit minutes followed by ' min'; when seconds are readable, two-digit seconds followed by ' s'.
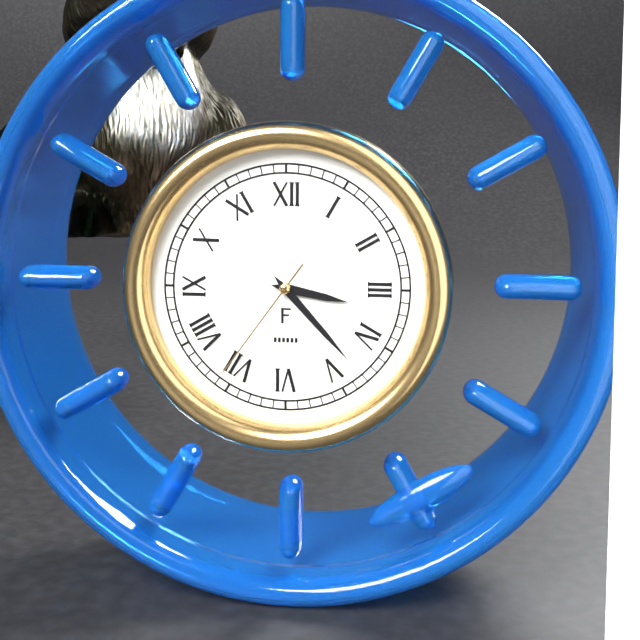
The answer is 3 h 23 min 36 s
